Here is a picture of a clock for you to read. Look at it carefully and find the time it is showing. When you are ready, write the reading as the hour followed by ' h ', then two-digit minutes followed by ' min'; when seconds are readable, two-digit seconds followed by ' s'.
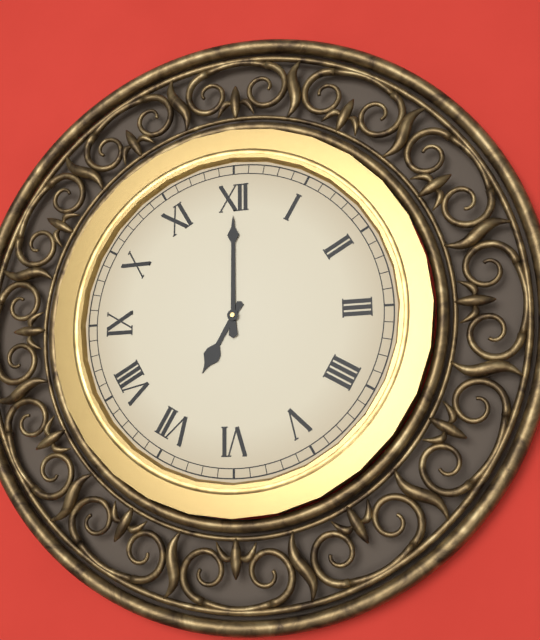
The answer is 7 h 00 min
